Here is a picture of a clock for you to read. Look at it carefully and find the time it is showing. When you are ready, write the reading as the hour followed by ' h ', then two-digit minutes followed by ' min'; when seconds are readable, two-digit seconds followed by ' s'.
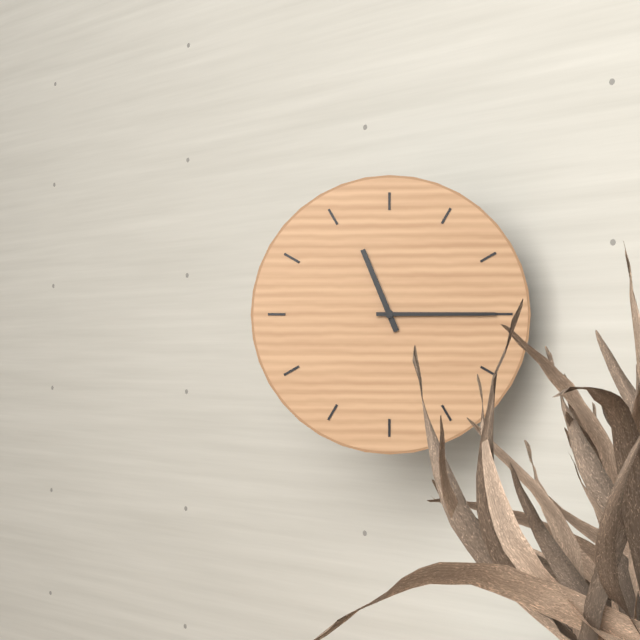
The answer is 11 h 15 min
